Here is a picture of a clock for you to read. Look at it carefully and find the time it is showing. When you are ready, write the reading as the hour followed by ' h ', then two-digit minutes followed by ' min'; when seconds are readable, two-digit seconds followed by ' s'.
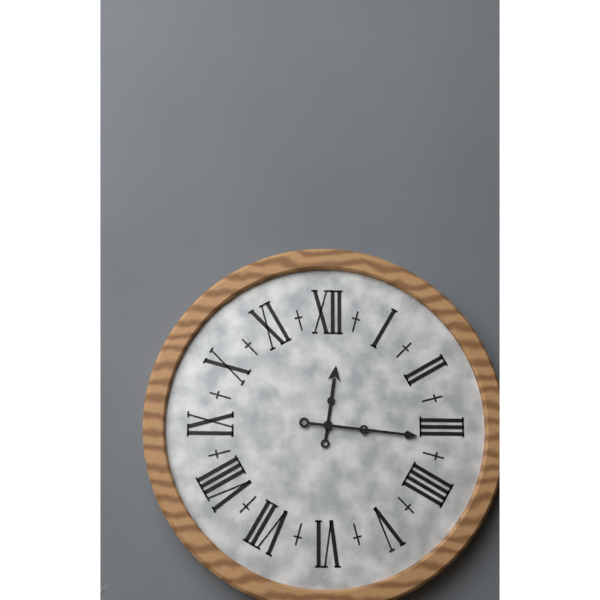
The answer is 12 h 16 min
